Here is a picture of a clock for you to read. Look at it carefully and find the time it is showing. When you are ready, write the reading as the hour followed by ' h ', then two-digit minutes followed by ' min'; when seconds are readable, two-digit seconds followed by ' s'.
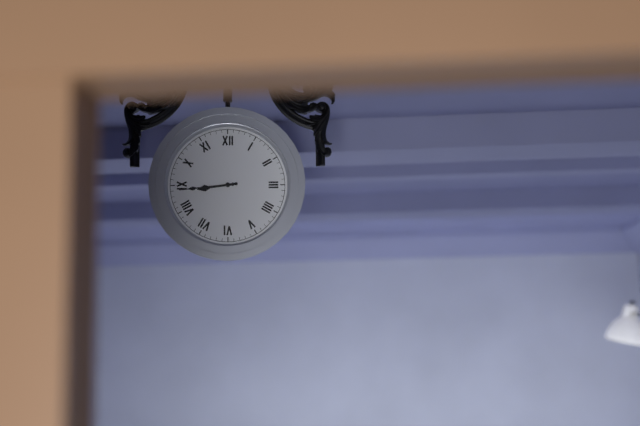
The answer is 8 h 44 min
